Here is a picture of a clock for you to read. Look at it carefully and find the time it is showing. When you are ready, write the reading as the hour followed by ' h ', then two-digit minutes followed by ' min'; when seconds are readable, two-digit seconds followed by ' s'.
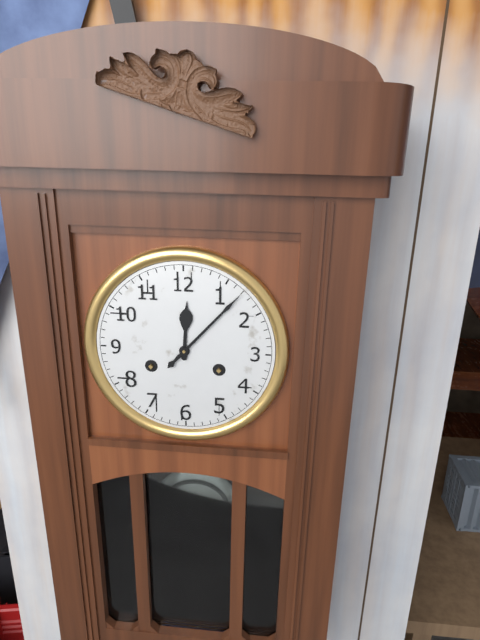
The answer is 12 h 07 min
